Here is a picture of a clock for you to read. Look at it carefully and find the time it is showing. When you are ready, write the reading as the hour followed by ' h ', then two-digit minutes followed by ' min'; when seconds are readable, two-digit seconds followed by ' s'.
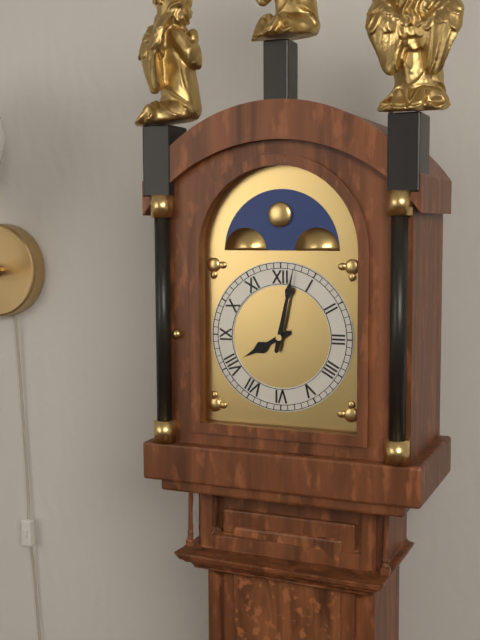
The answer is 8 h 02 min
